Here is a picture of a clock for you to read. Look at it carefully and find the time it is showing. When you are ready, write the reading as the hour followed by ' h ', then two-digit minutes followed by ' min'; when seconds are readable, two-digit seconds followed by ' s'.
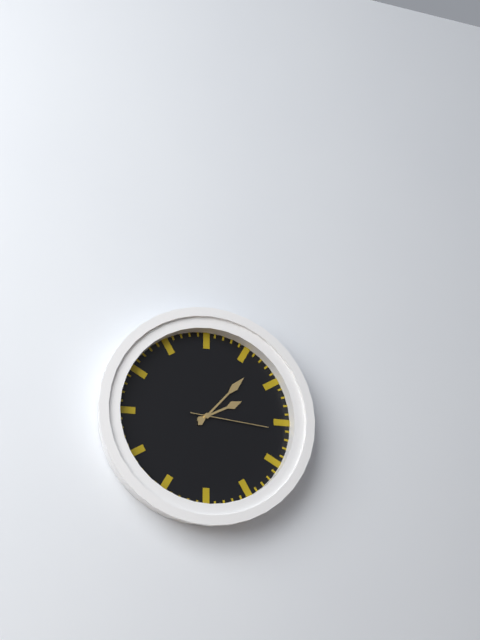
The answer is 2 h 07 min 16 s
